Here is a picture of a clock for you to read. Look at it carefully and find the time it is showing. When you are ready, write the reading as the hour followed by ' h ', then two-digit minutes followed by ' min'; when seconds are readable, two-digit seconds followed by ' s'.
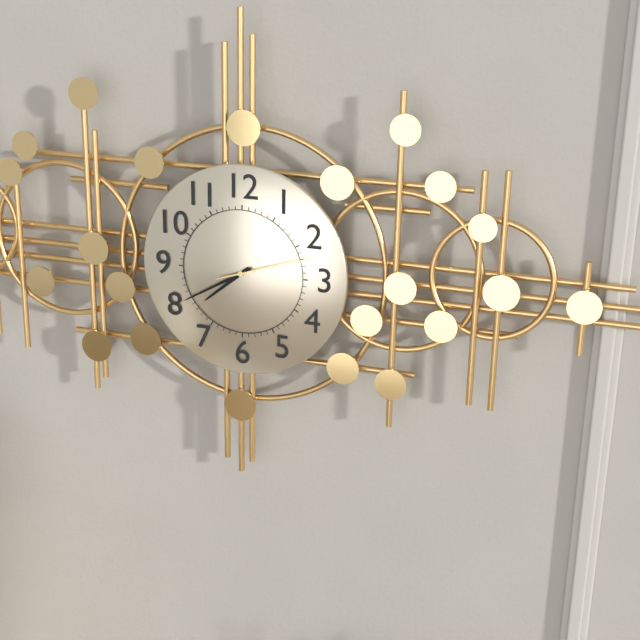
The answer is 7 h 40 min 12 s
